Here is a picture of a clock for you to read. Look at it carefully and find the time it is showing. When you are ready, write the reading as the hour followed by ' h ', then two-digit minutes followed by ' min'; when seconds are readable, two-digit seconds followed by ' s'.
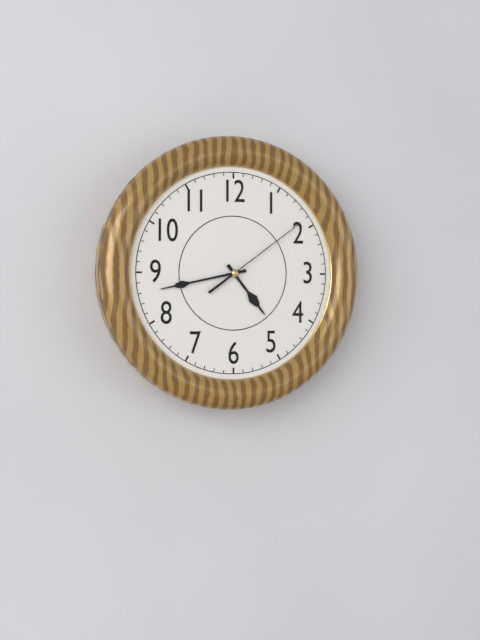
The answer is 4 h 43 min 09 s
